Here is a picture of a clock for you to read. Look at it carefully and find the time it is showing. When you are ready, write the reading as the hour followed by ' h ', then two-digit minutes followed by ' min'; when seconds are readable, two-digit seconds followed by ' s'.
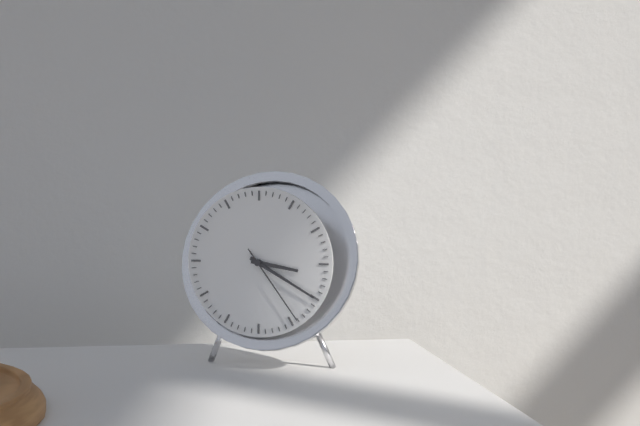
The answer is 3 h 20 min 24 s
